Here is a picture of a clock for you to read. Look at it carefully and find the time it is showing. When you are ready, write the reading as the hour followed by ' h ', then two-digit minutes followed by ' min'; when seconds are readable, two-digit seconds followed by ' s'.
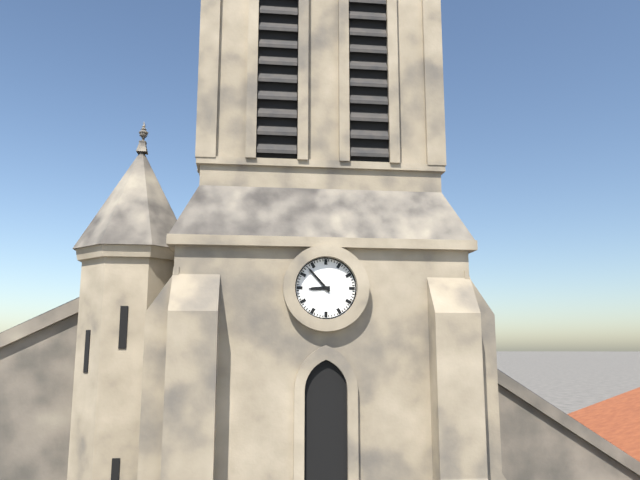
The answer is 8 h 53 min
